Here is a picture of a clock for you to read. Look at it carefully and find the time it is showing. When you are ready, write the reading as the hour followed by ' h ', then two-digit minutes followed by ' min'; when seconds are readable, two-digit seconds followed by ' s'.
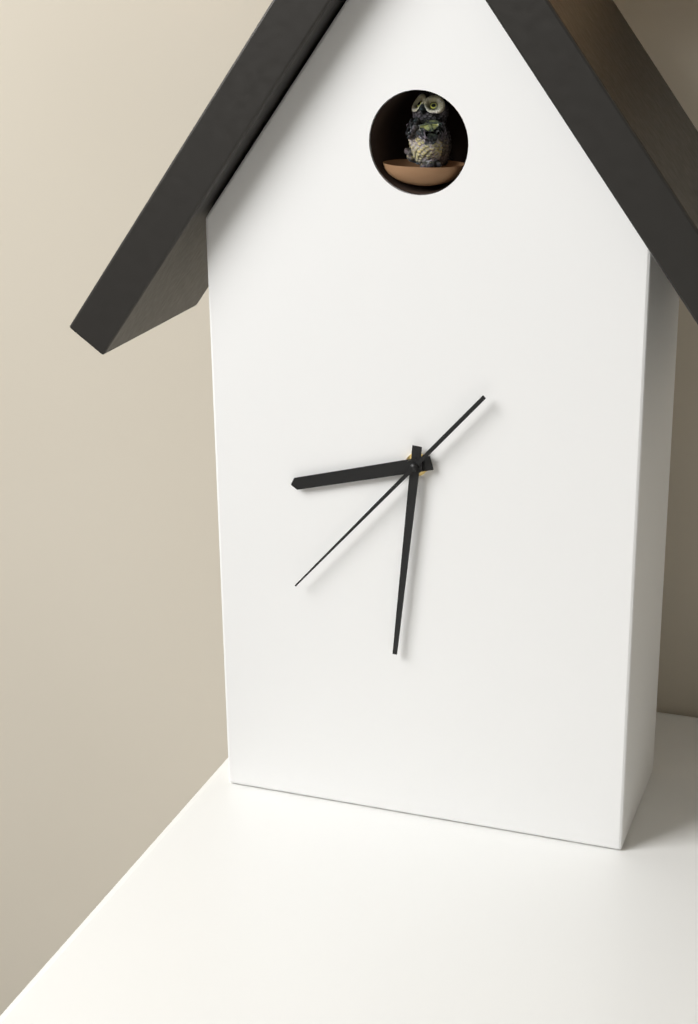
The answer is 8 h 31 min 37 s
